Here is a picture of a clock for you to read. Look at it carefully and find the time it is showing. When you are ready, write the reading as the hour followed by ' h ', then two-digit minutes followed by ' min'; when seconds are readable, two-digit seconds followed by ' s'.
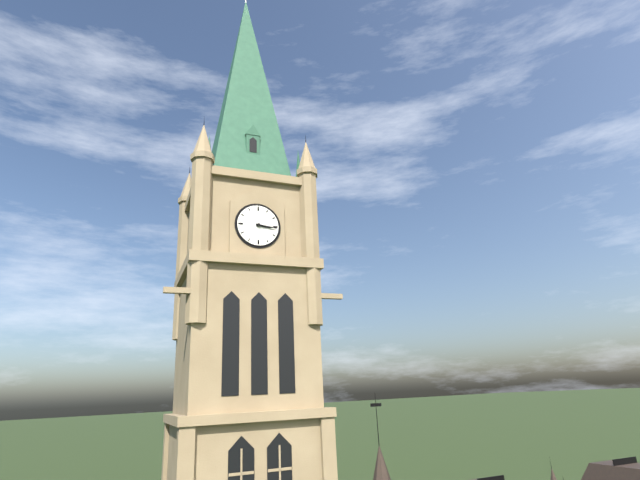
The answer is 3 h 16 min
